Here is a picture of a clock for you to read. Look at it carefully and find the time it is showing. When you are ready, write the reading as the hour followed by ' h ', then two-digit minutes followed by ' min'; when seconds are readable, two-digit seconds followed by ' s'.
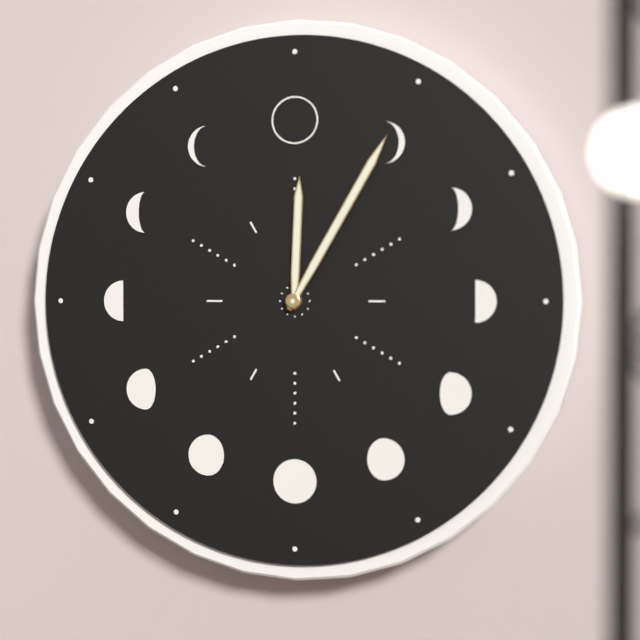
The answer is 12 h 05 min
